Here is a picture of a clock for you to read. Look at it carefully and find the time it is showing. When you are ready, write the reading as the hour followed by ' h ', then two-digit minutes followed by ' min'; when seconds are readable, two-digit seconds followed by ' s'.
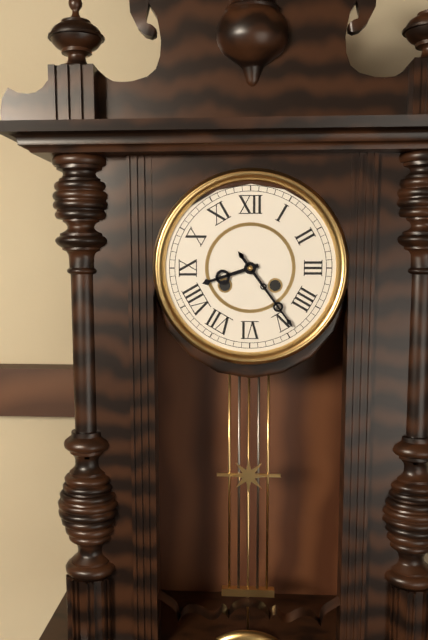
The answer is 8 h 24 min
